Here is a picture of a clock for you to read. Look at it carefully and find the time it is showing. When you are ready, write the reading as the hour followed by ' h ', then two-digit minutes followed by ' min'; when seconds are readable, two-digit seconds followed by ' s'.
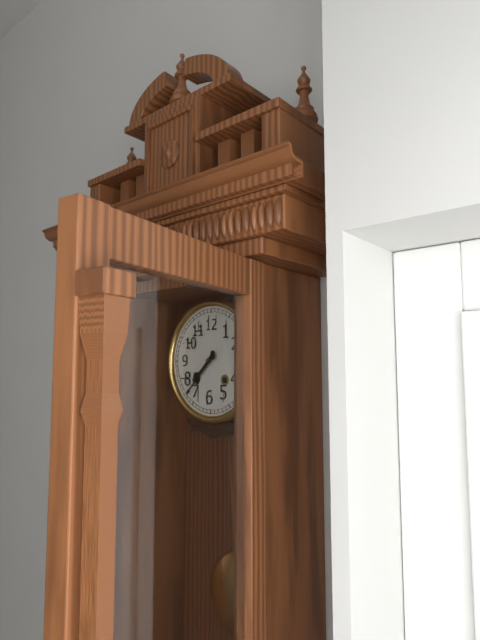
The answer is 7 h 37 min
